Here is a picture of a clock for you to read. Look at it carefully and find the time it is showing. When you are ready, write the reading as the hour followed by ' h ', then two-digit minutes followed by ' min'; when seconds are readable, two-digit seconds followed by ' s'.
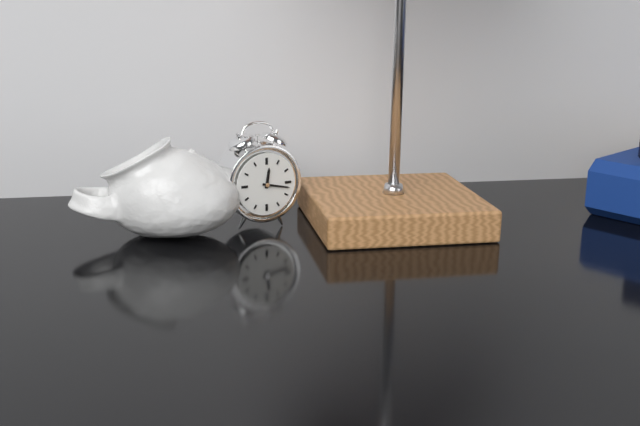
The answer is 12 h 17 min
